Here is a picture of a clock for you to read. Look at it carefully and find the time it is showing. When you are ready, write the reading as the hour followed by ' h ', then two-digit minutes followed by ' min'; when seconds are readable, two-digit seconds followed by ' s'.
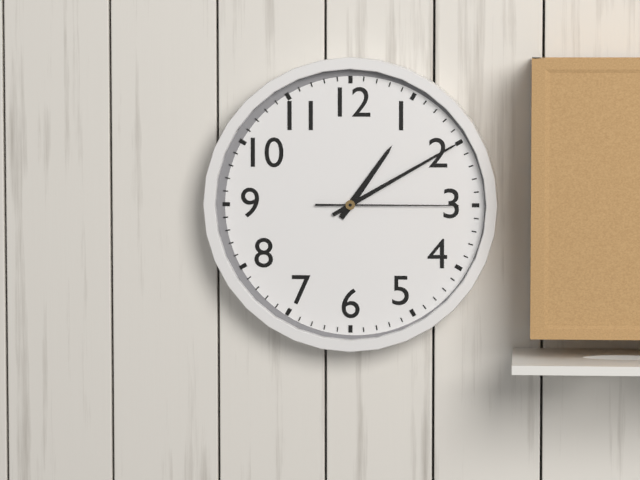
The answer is 1 h 10 min 15 s
